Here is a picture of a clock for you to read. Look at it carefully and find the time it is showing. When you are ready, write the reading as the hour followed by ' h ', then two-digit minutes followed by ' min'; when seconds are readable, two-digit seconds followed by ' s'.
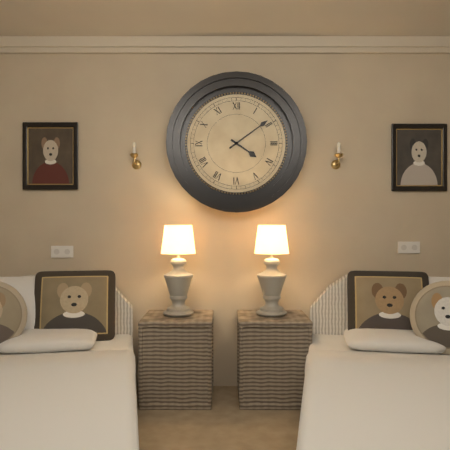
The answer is 4 h 09 min
